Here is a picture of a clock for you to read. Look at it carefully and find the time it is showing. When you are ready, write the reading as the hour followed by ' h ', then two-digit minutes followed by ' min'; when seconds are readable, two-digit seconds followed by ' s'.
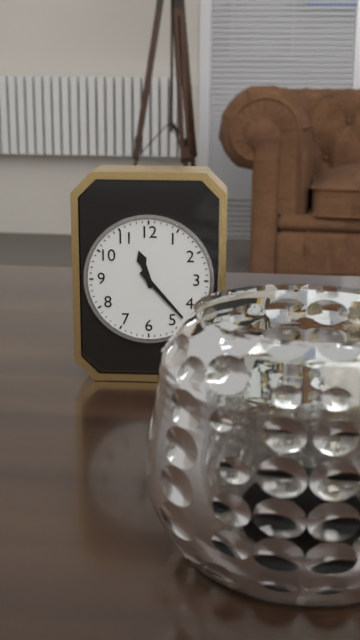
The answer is 11 h 23 min
